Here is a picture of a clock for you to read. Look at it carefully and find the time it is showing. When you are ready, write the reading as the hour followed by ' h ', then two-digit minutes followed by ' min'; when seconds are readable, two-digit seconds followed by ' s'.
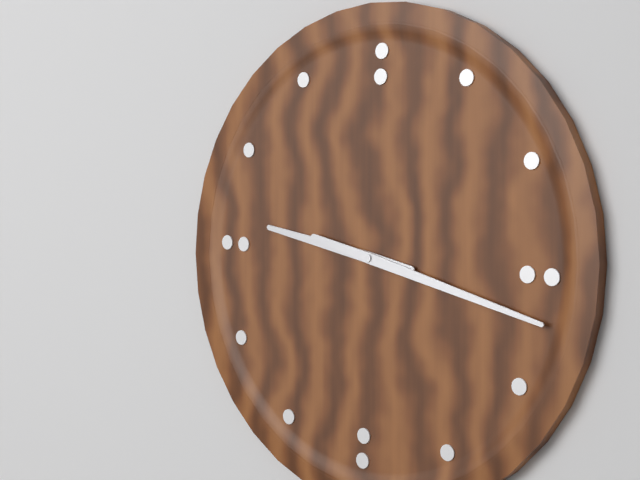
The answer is 9 h 17 min
